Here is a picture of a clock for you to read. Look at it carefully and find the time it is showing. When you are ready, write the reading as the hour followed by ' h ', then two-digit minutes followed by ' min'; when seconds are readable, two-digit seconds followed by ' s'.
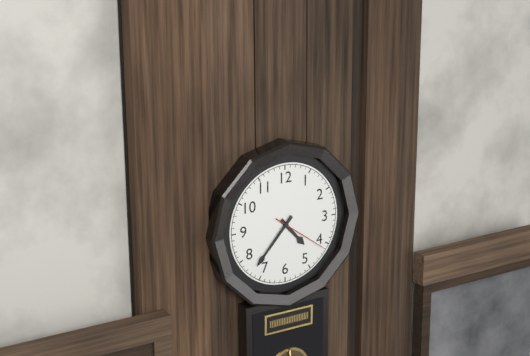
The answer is 4 h 37 min 21 s
